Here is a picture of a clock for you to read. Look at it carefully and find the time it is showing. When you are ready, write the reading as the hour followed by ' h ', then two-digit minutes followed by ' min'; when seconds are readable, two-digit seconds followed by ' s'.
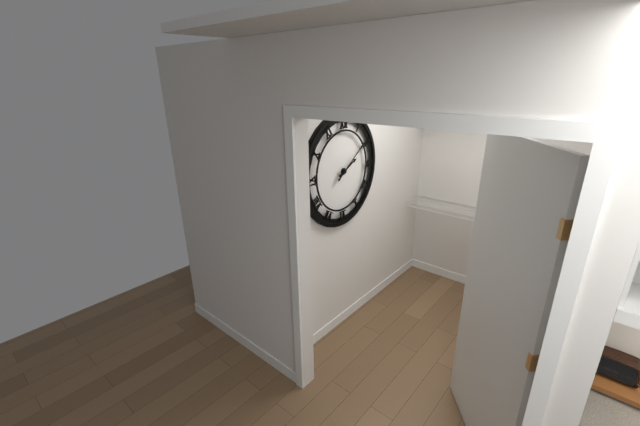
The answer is 2 h 09 min
